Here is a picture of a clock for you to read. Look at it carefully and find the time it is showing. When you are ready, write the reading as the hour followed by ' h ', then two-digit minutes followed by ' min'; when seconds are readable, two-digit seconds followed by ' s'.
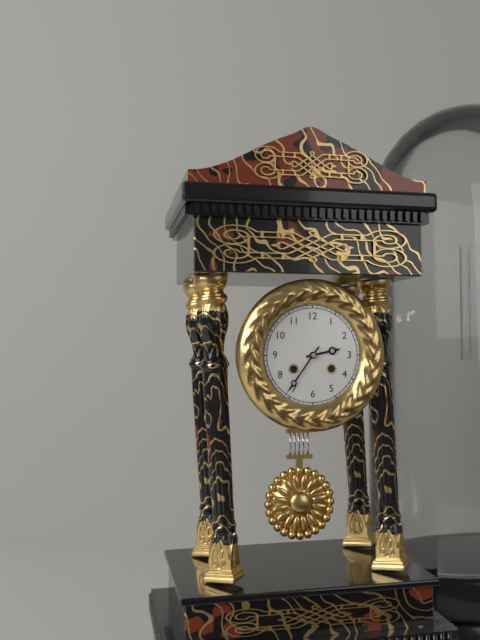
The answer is 2 h 36 min
